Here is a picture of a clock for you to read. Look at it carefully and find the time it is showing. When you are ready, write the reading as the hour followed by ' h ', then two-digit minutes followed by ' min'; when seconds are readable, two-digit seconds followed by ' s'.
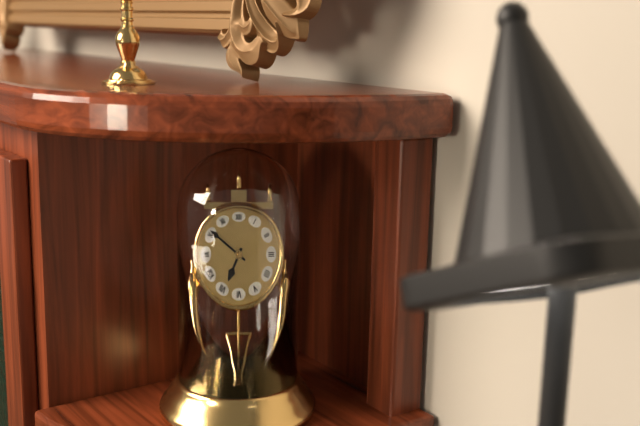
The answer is 6 h 51 min
